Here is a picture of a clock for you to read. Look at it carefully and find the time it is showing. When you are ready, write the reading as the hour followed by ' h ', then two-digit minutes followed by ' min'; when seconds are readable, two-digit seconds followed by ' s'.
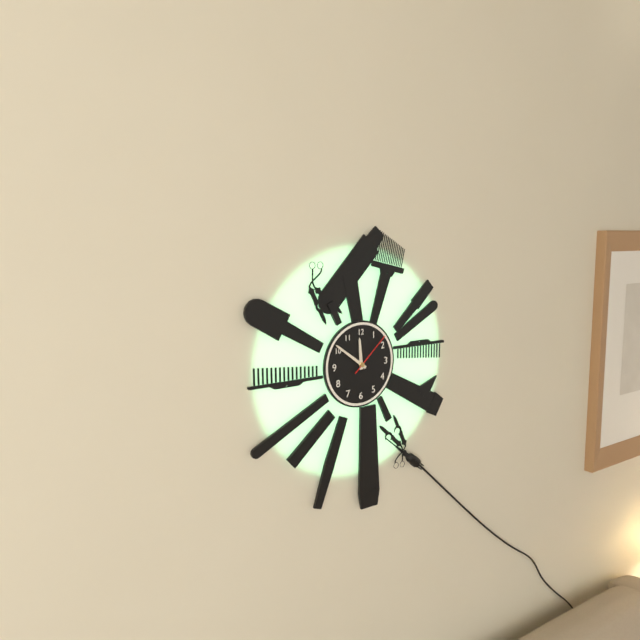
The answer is 11 h 51 min 08 s
